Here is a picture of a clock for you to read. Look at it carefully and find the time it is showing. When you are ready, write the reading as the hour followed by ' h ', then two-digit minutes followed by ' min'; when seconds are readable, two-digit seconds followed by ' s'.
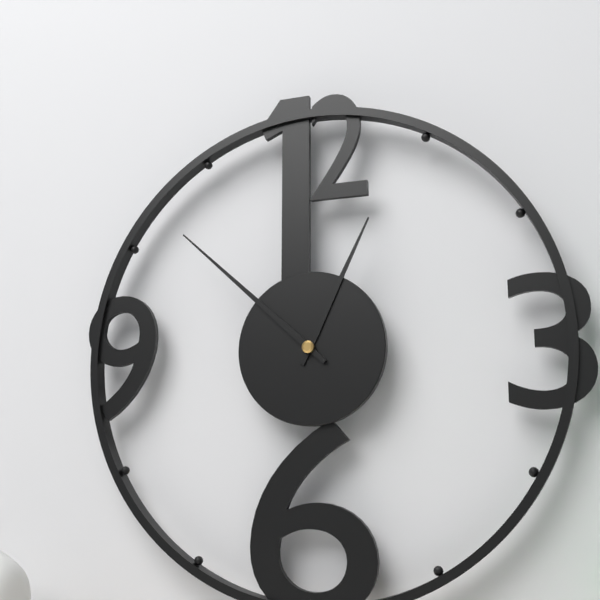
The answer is 12 h 52 min
